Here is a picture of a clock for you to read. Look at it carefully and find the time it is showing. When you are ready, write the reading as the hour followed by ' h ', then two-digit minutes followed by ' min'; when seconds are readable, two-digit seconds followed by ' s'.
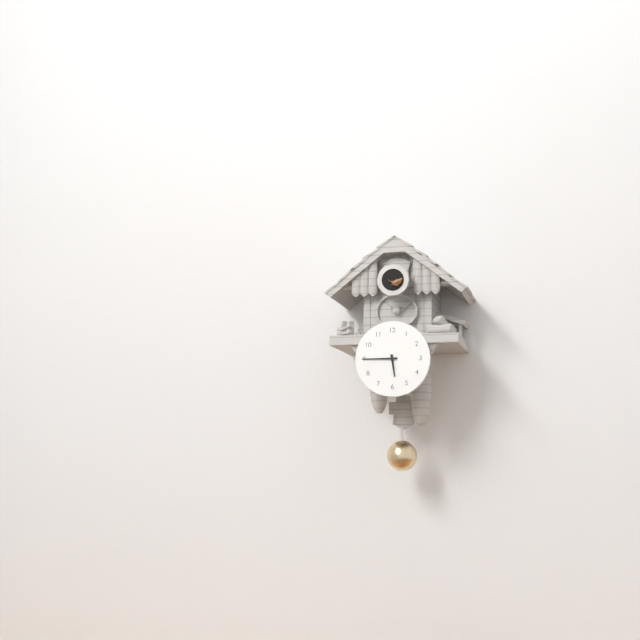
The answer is 5 h 45 min
